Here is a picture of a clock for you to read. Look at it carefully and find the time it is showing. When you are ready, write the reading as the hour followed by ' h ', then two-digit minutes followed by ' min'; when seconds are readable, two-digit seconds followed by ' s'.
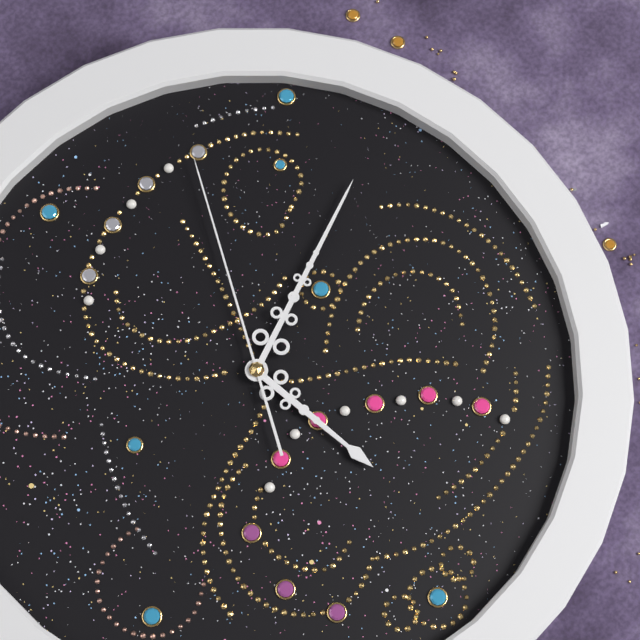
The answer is 11 h 41 min 34 s
